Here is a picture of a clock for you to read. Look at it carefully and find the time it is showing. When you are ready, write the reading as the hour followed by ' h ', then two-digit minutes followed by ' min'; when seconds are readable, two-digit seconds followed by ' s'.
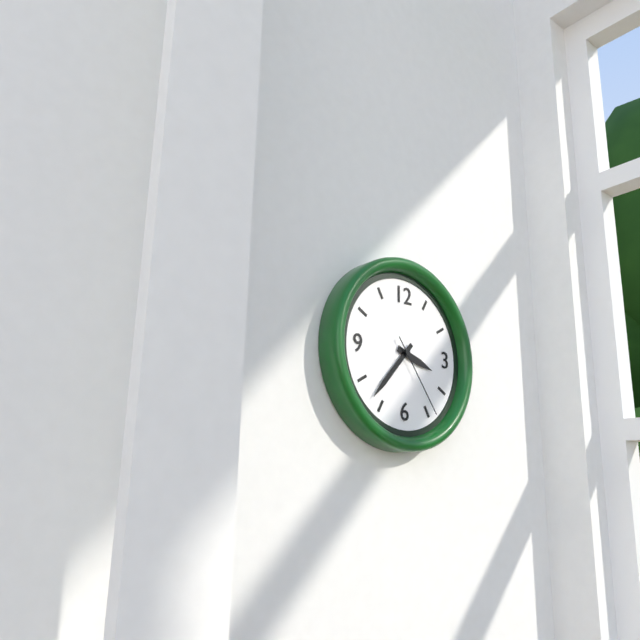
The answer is 3 h 37 min 24 s
